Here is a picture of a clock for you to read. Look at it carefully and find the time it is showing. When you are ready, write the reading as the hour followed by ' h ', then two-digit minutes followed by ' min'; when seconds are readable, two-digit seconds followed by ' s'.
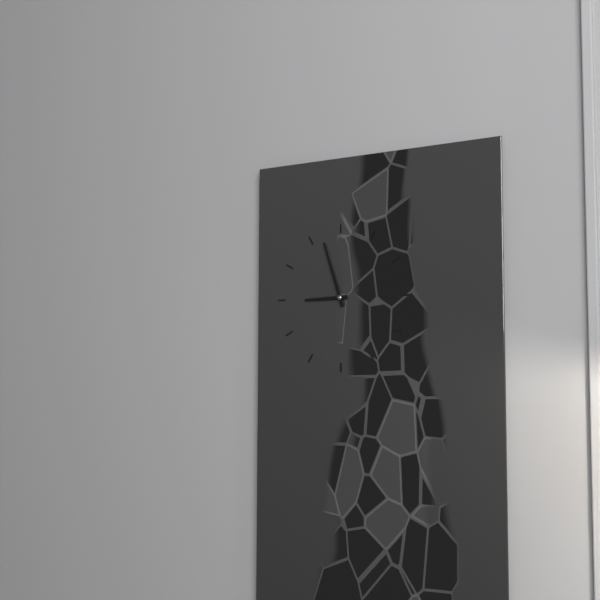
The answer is 8 h 57 min
